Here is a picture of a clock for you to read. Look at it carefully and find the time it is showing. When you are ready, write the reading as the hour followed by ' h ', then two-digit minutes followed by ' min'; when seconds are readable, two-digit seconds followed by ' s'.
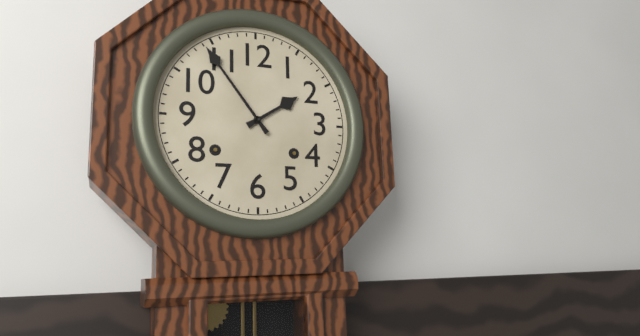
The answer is 1 h 54 min
